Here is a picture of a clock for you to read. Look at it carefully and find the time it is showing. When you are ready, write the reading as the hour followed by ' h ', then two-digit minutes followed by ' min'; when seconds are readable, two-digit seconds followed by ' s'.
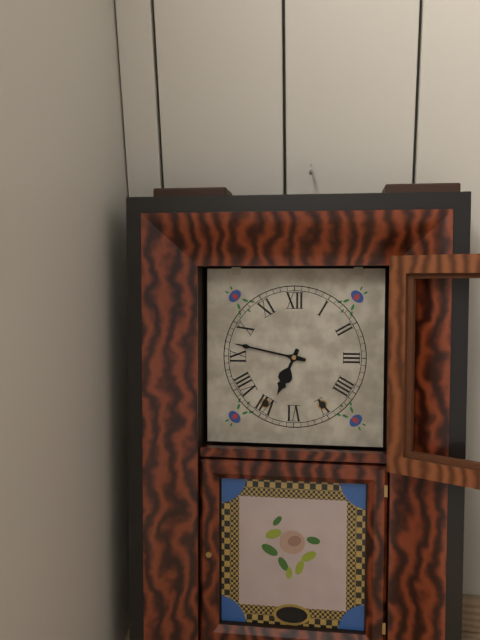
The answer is 6 h 47 min
